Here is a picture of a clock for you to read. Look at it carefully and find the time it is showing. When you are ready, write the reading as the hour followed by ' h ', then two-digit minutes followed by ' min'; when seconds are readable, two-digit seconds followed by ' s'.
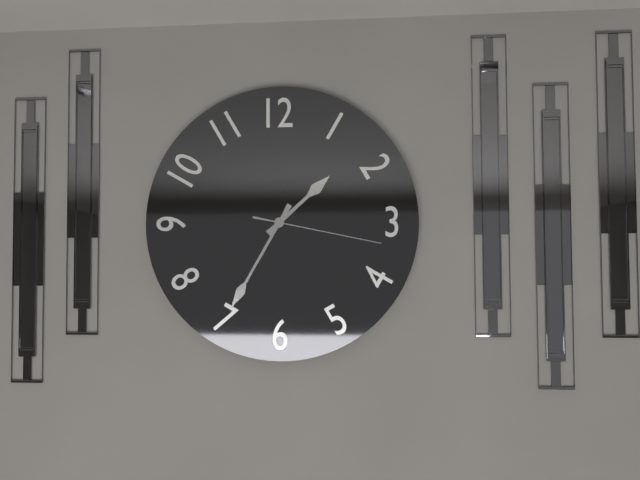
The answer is 1 h 35 min 17 s
